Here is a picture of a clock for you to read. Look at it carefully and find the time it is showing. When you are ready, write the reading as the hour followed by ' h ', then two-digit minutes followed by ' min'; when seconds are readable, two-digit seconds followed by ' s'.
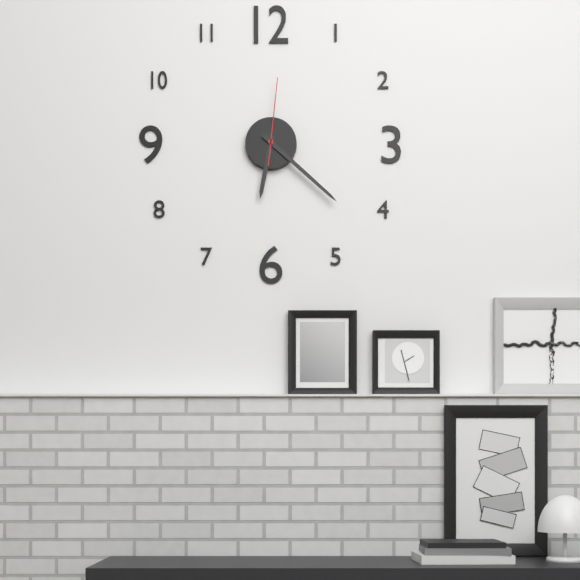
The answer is 6 h 22 min 01 s
